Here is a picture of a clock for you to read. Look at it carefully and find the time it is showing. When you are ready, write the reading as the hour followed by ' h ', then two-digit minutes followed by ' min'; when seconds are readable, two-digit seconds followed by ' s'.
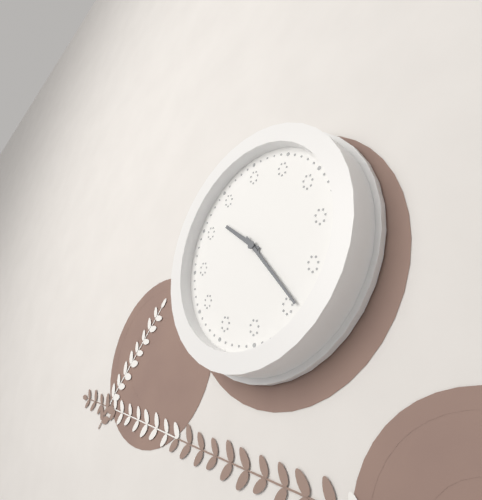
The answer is 10 h 24 min
